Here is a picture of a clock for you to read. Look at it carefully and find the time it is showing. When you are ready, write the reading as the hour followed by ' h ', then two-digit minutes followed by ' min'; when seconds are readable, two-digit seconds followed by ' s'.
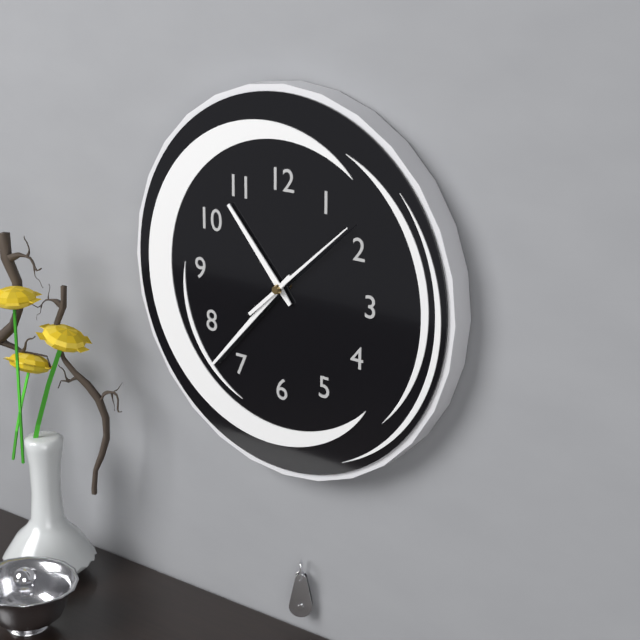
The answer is 10 h 37 min 08 s
